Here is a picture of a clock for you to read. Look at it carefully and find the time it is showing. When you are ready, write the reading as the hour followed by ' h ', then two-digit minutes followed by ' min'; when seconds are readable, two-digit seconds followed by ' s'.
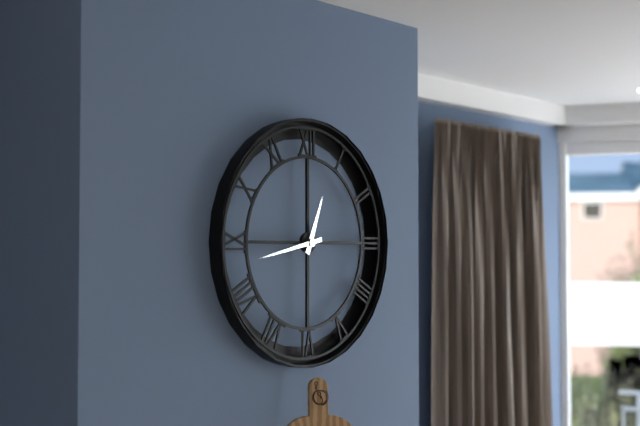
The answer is 12 h 43 min
